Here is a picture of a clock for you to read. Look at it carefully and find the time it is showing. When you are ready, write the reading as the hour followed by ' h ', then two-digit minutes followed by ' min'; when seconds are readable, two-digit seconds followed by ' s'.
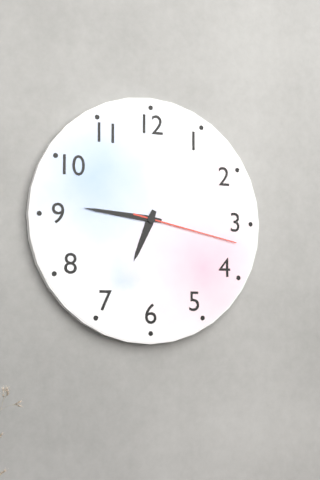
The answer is 6 h 46 min 17 s
